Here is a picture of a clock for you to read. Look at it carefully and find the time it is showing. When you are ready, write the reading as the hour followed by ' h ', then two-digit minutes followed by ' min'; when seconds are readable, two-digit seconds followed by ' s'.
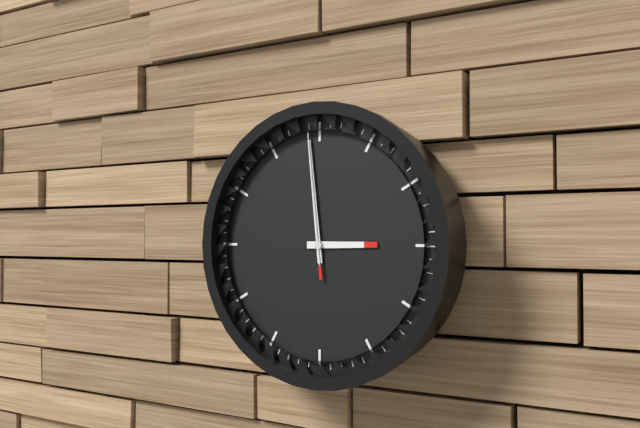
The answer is 2 h 59 min 59 s
